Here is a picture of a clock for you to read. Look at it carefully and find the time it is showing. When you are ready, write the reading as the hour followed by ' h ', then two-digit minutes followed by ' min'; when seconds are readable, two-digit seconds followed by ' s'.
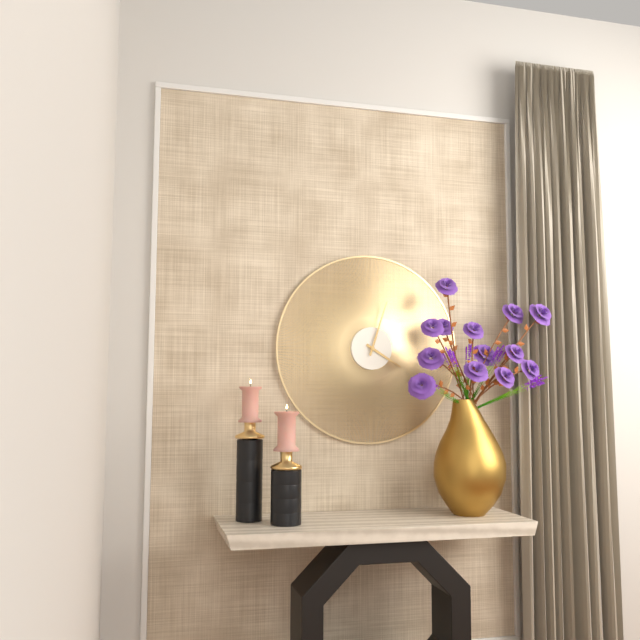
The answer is 4 h 03 min
